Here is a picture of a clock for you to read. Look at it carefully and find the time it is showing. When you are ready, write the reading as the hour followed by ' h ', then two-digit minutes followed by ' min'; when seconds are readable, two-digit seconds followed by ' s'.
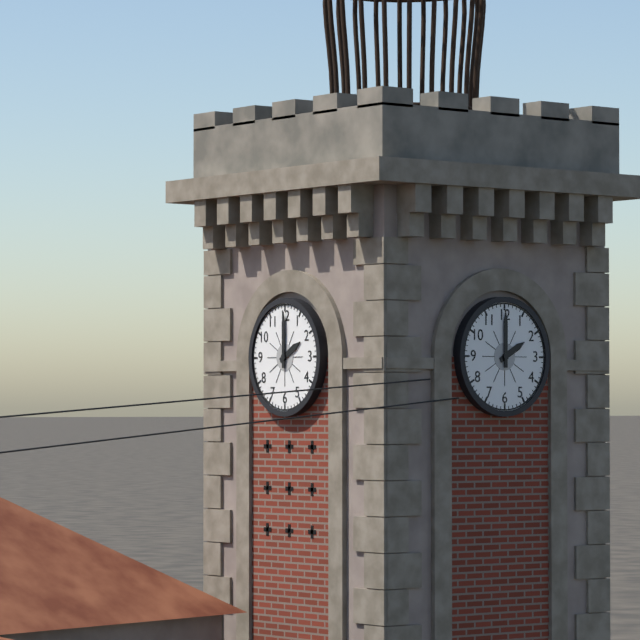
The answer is 2 h 00 min
